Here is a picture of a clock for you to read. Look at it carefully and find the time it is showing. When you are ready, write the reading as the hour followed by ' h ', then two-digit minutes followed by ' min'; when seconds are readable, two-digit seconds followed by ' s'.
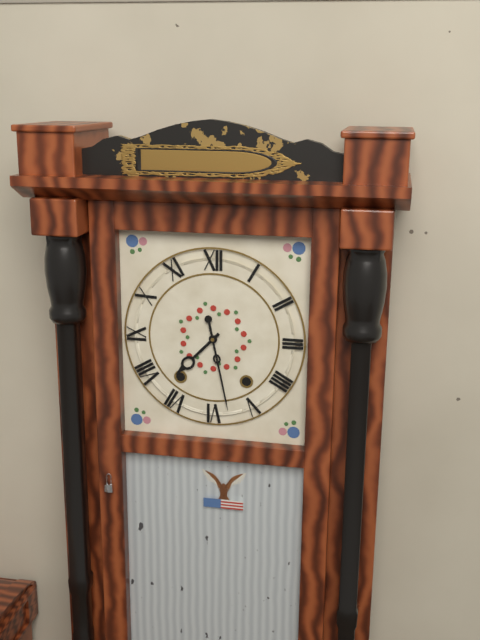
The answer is 7 h 28 min
